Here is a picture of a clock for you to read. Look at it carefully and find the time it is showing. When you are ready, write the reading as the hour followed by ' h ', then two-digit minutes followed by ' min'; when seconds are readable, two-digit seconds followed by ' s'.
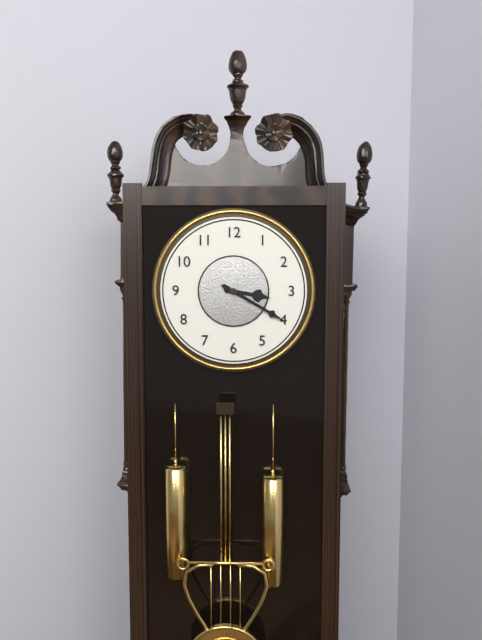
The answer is 3 h 20 min
